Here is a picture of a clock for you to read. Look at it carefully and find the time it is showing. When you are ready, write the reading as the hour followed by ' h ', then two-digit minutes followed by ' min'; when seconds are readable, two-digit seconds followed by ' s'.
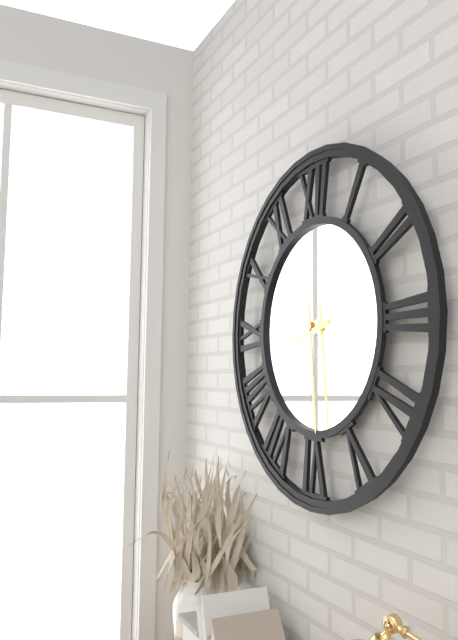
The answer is 8 h 29 min
